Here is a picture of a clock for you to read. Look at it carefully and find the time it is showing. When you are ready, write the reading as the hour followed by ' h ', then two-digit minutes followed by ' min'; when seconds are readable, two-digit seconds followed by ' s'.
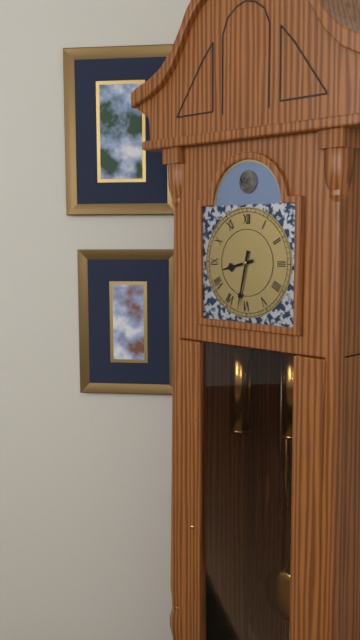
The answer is 8 h 32 min
